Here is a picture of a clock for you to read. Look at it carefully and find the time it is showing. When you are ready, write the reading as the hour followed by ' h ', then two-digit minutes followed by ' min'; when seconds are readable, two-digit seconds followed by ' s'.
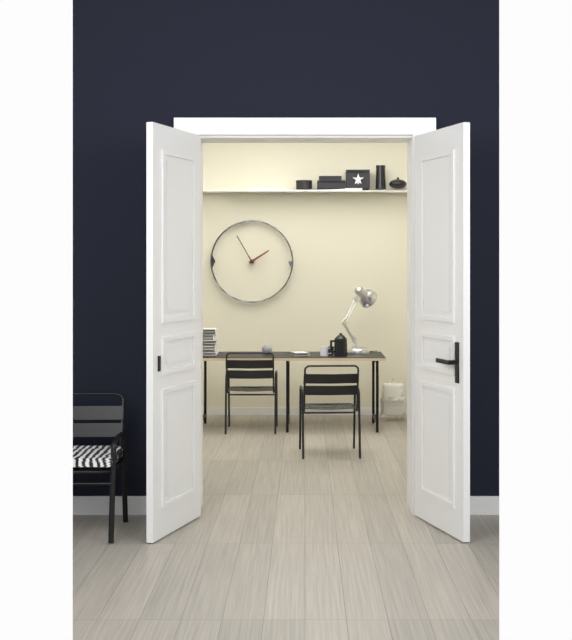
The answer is 1 h 55 min
